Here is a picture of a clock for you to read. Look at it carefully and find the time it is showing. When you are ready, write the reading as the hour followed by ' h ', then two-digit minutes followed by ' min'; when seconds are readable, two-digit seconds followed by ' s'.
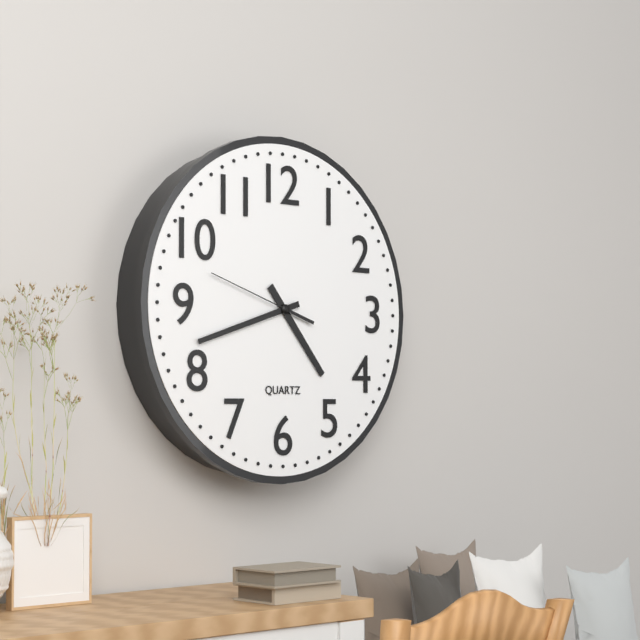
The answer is 4 h 42 min 48 s
